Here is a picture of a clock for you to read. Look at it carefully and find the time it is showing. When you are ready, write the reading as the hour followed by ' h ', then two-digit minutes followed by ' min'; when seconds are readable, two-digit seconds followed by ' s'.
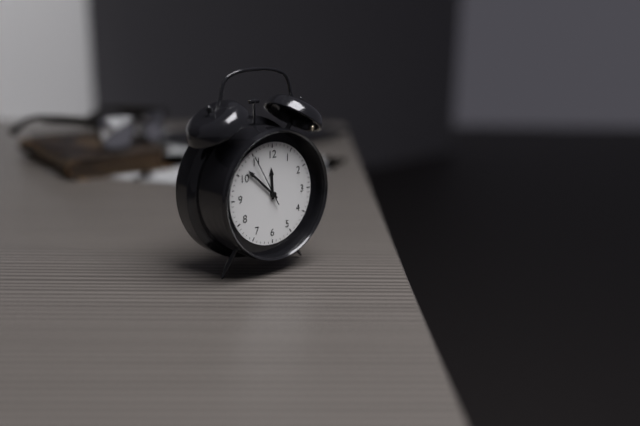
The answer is 11 h 52 min 55 s
